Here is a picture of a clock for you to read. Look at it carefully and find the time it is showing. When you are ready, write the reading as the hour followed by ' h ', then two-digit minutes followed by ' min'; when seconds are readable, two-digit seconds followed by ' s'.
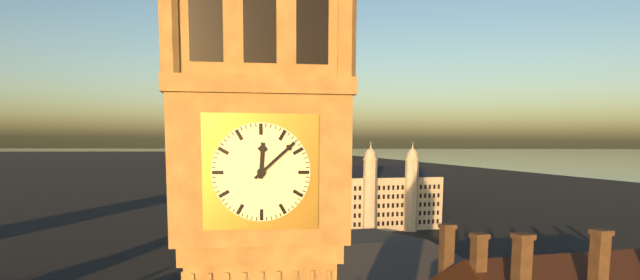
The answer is 12 h 08 min
